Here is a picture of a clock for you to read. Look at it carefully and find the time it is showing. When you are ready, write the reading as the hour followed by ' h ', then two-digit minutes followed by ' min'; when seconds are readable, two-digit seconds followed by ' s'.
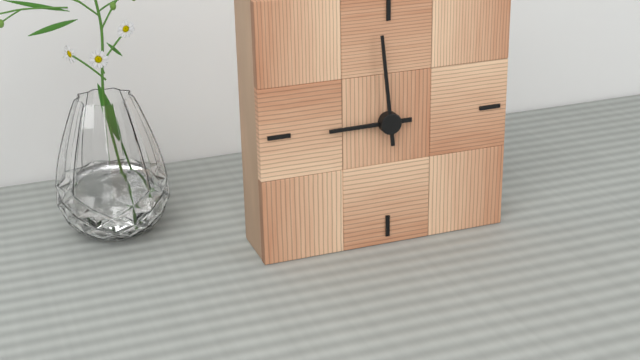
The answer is 8 h 59 min
